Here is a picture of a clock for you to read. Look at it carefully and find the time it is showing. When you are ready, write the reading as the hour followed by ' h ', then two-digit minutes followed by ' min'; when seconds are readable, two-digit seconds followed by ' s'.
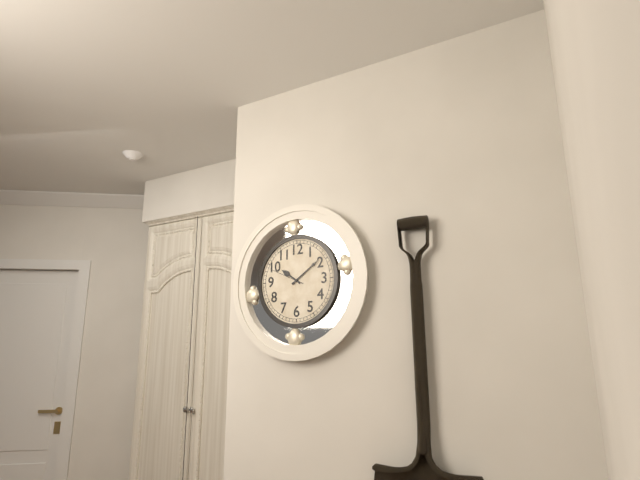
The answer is 10 h 09 min
